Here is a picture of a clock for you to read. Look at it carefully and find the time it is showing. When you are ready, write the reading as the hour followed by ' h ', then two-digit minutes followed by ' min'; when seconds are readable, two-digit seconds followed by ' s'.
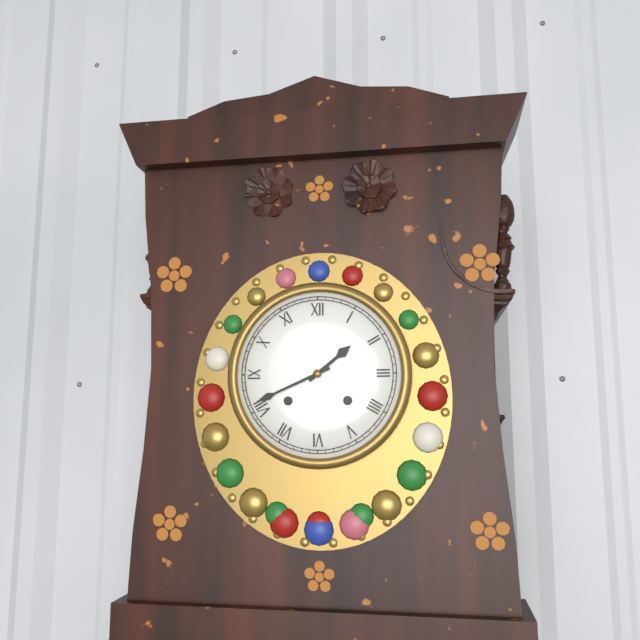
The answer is 1 h 41 min
